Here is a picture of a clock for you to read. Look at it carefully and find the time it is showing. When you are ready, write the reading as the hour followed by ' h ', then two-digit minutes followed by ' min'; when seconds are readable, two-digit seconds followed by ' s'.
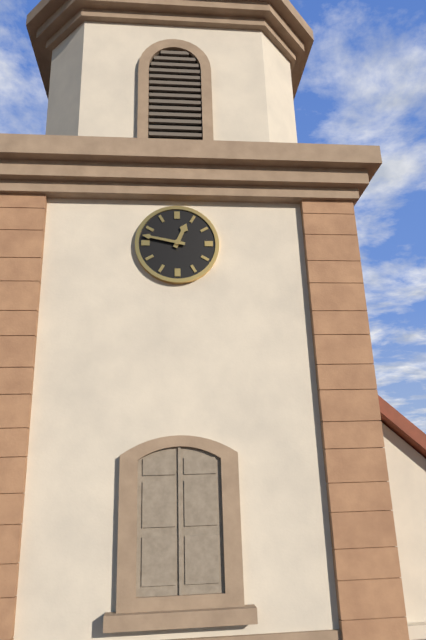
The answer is 12 h 47 min
